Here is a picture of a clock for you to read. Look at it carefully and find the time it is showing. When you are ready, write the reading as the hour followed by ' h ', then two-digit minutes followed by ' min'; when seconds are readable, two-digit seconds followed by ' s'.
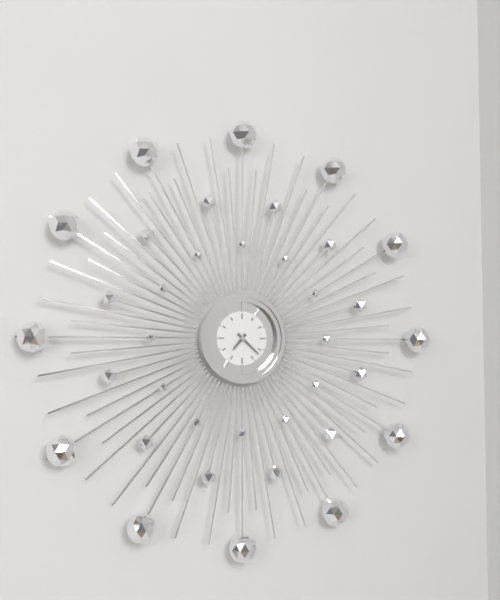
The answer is 7 h 22 min
